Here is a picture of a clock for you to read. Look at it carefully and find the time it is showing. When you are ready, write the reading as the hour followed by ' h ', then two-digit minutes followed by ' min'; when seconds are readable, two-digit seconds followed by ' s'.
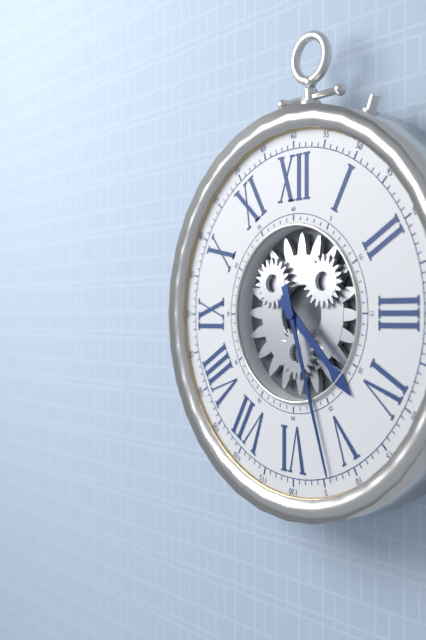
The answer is 4 h 27 min
